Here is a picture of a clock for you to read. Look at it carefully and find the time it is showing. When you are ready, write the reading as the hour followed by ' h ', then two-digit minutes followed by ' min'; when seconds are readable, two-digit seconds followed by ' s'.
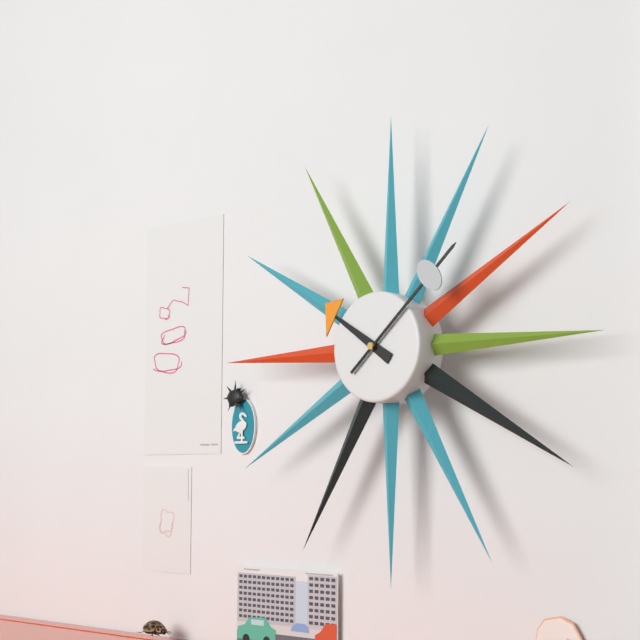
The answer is 10 h 08 min
